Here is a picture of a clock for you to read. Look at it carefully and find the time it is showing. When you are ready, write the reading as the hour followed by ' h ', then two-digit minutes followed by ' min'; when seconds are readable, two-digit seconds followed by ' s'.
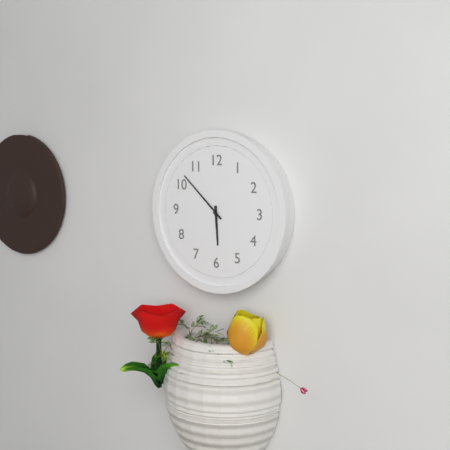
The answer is 5 h 52 min
